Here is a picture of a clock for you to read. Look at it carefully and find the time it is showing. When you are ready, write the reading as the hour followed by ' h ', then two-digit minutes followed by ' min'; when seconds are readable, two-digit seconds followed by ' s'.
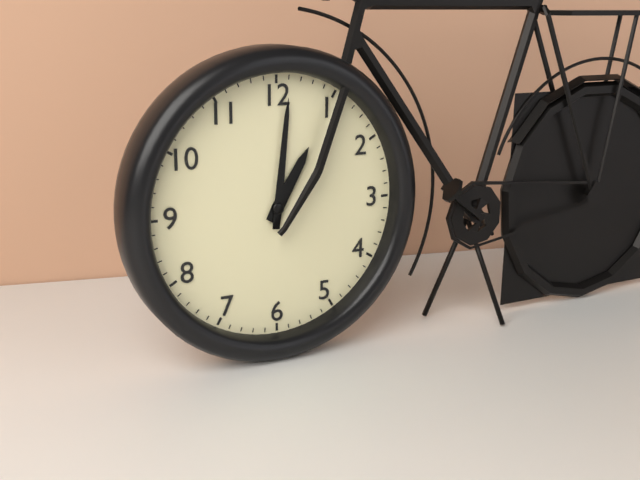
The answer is 1 h 01 min
